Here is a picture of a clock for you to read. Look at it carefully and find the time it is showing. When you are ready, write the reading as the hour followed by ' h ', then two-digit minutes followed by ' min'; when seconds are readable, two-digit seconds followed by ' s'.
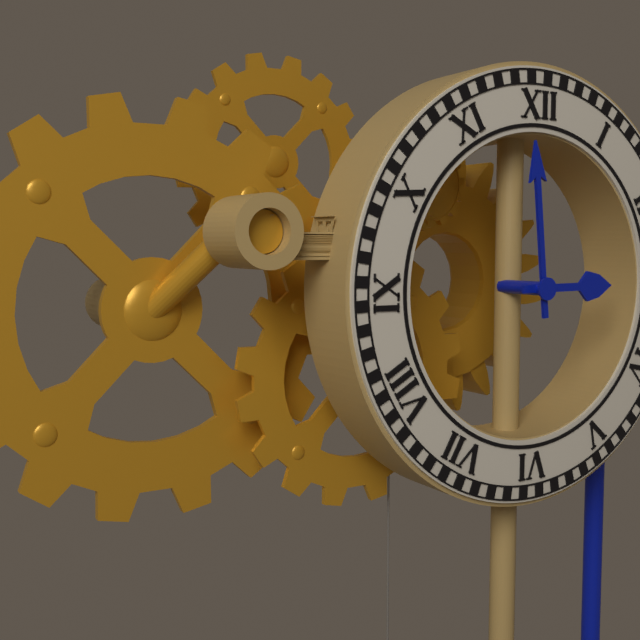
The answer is 2 h 59 min
